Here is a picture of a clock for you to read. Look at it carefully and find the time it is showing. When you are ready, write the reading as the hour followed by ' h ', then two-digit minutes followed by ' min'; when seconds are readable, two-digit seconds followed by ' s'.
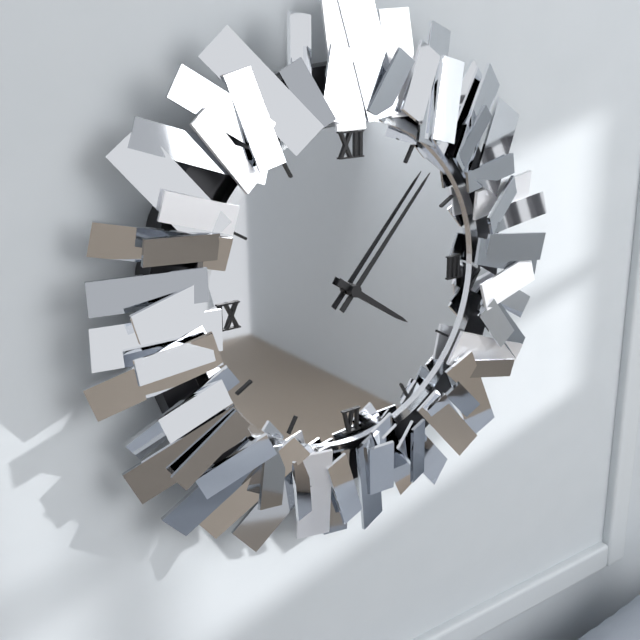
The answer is 4 h 07 min
